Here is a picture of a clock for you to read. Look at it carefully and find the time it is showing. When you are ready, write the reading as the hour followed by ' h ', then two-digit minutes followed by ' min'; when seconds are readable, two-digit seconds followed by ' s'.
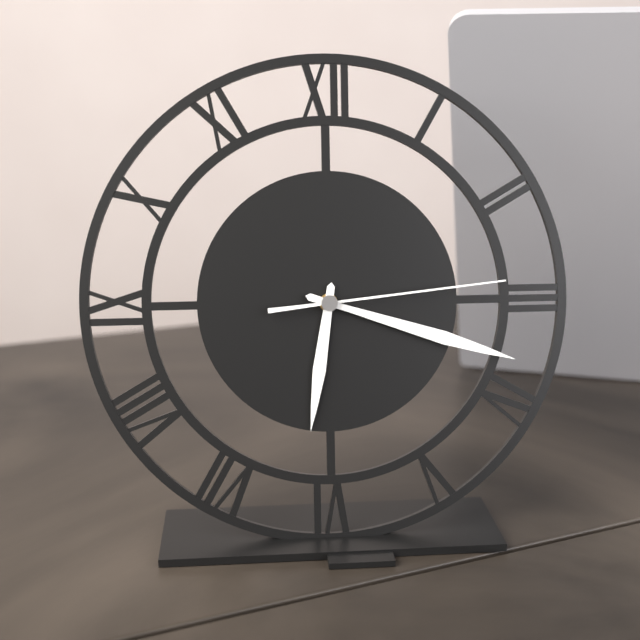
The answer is 6 h 18 min 14 s
